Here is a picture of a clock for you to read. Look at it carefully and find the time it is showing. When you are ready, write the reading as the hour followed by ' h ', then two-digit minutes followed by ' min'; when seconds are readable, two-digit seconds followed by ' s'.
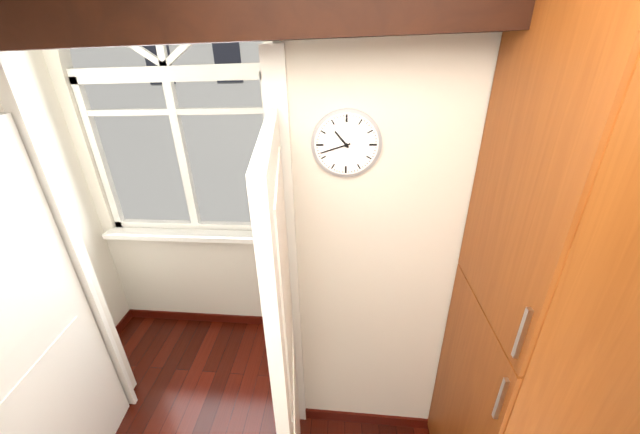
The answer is 10 h 42 min
